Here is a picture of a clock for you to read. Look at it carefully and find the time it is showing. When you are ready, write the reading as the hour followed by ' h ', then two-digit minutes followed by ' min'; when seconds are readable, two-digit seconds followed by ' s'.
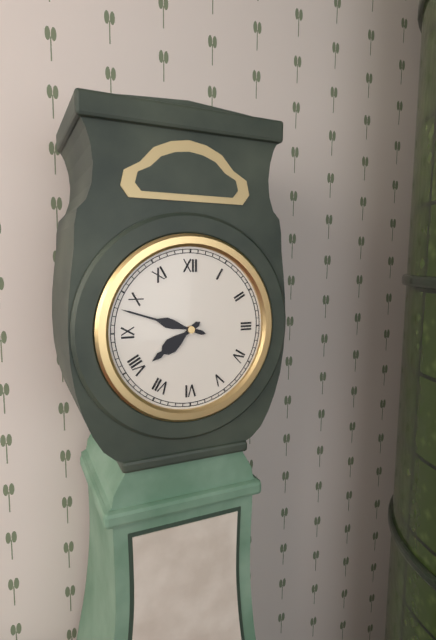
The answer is 7 h 48 min
